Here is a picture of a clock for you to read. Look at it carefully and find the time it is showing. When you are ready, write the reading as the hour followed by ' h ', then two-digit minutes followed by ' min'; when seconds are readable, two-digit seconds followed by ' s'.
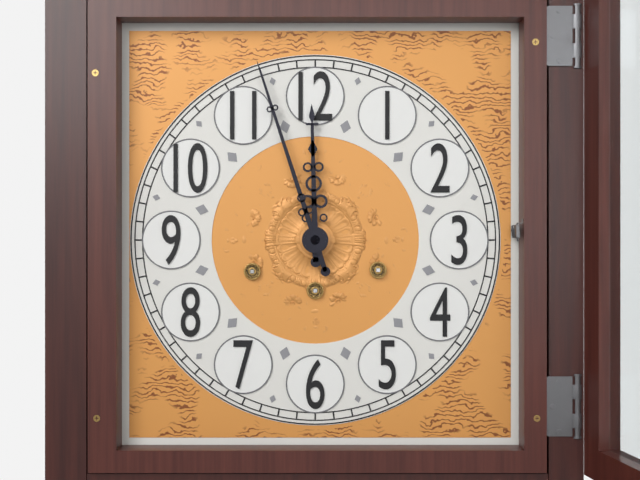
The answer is 11 h 57 min
